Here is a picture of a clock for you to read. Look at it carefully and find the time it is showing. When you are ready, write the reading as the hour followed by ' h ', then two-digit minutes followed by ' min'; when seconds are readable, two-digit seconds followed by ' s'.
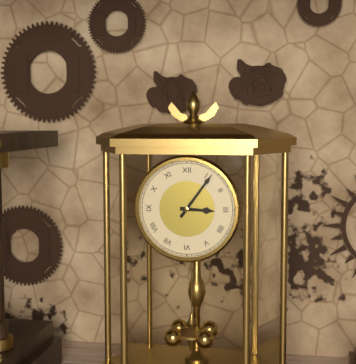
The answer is 3 h 06 min
